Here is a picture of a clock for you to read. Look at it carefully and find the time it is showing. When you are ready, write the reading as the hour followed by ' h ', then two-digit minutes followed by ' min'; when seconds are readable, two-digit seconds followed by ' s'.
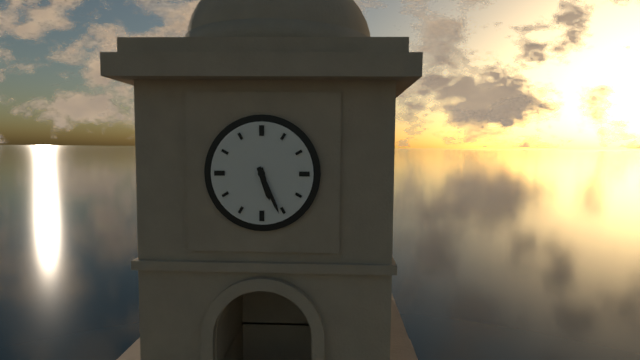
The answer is 5 h 26 min
